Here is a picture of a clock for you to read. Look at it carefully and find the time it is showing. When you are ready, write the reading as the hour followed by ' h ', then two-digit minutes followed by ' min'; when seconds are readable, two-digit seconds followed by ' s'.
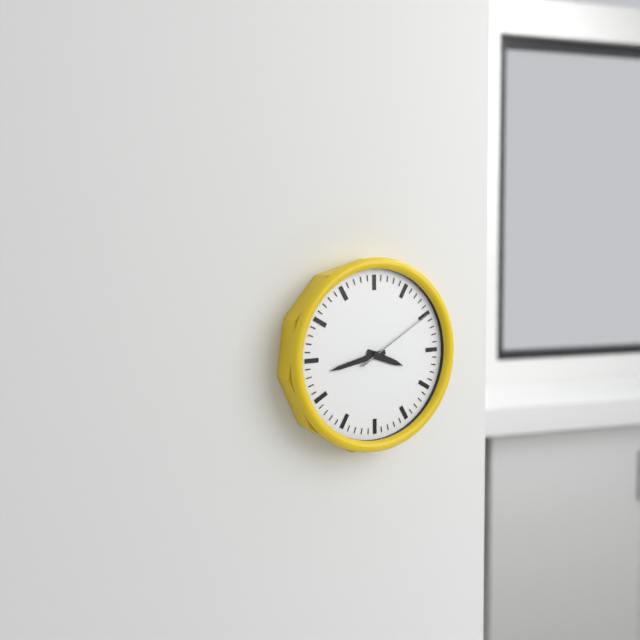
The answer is 3 h 43 min 10 s
